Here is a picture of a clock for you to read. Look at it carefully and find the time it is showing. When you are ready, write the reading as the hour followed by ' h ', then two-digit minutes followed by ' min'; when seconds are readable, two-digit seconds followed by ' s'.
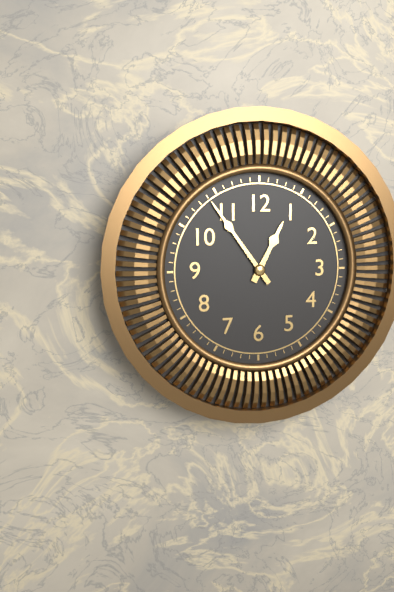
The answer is 12 h 54 min
